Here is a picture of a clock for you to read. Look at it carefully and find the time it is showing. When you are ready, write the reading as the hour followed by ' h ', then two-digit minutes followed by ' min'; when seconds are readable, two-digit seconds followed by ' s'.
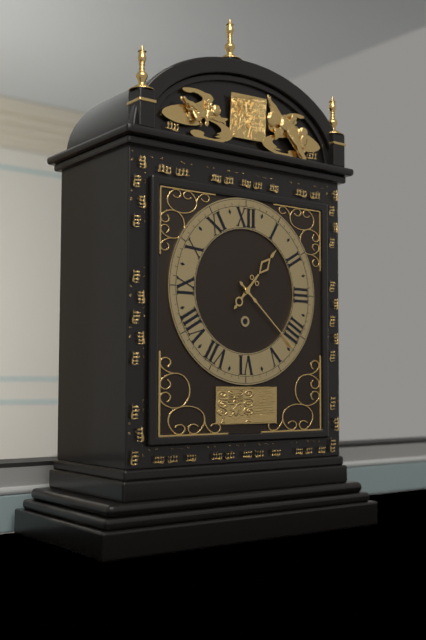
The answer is 1 h 22 min
